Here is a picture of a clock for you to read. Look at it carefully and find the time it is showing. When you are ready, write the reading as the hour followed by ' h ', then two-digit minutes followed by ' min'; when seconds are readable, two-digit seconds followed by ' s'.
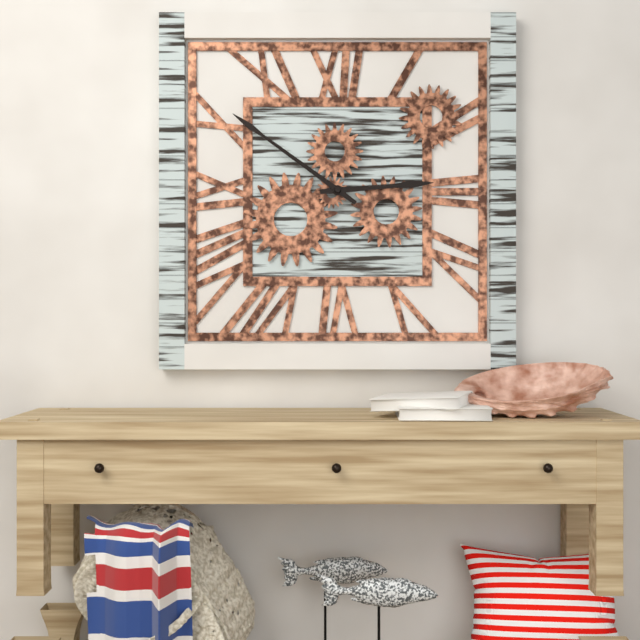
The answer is 2 h 51 min
